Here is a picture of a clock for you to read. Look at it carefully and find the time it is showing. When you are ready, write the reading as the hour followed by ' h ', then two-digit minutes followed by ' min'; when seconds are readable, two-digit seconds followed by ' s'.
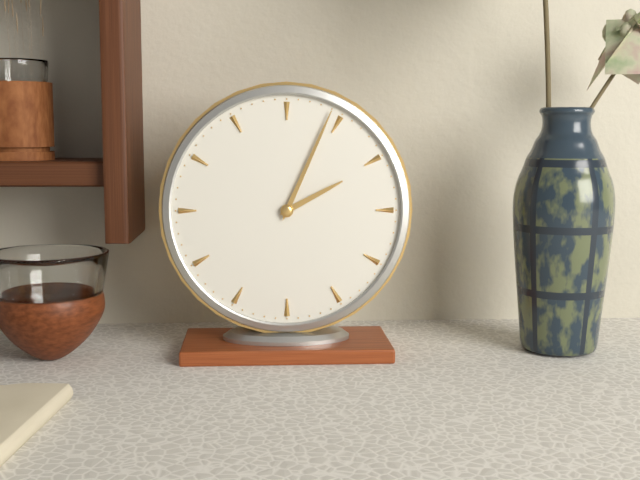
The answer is 2 h 04 min
